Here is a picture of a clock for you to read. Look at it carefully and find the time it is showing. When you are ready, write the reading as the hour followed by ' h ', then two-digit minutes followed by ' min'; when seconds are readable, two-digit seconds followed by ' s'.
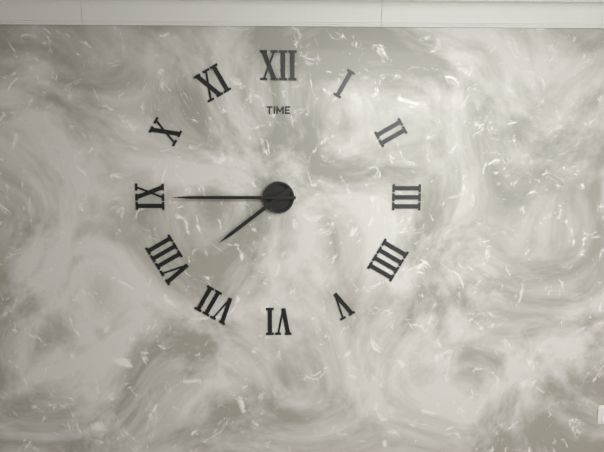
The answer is 7 h 45 min
